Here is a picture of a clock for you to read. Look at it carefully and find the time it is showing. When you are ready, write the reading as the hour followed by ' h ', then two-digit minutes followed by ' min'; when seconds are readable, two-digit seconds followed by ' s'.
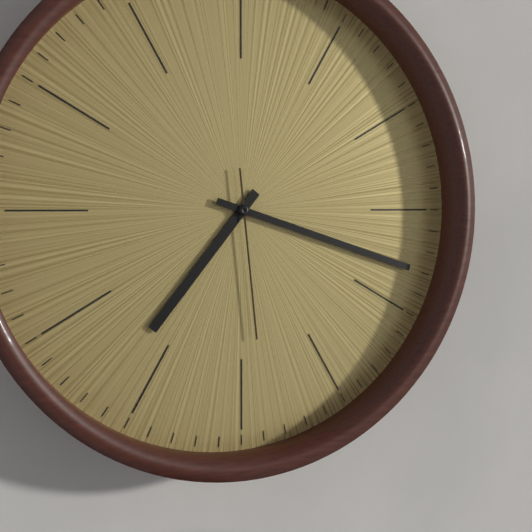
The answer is 7 h 18 min 29 s
